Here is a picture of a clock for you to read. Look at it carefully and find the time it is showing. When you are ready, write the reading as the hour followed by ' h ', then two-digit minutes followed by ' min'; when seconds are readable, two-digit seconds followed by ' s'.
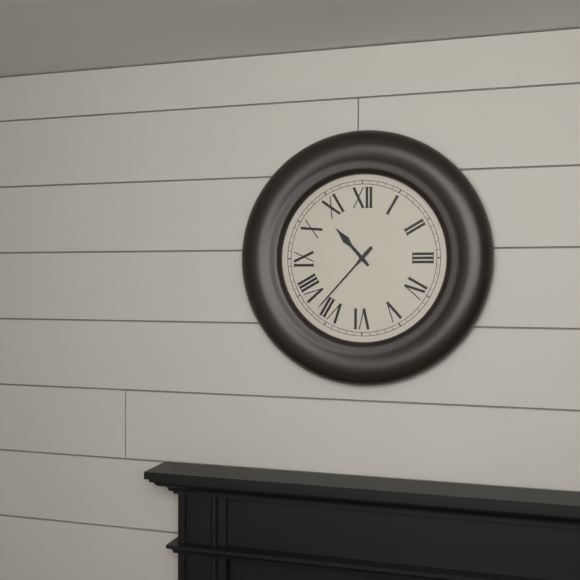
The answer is 10 h 37 min
